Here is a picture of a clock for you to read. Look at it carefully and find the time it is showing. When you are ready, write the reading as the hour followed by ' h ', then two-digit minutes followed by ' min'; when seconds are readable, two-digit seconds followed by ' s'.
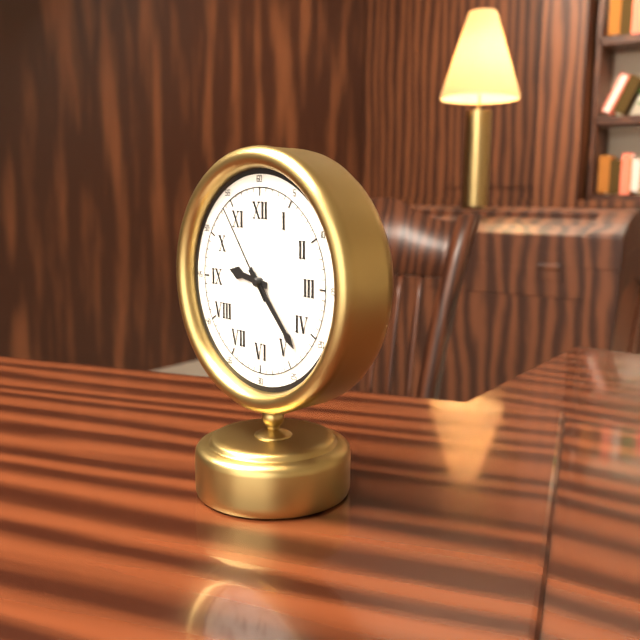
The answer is 9 h 23 min 54 s
